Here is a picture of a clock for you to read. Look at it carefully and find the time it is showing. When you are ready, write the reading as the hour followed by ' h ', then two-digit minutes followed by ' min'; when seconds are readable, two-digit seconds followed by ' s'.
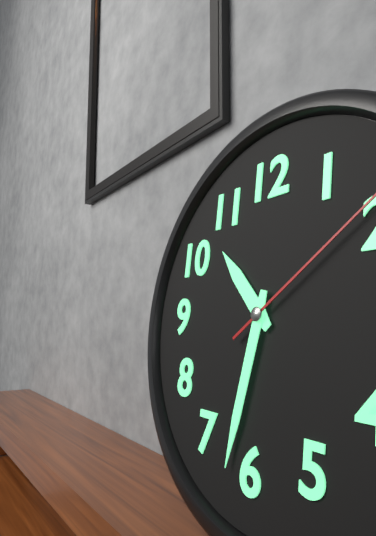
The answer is 10 h 32 min
